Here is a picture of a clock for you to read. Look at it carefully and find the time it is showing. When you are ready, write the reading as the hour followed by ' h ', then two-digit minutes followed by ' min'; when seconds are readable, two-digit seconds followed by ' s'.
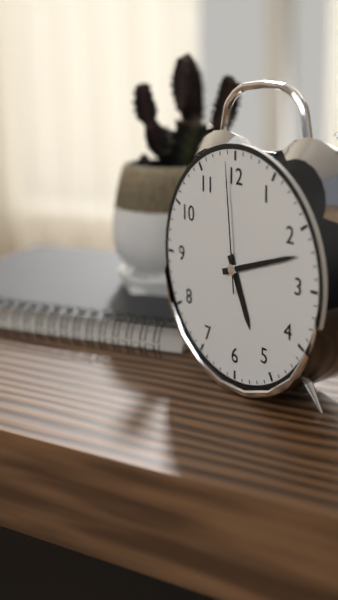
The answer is 5 h 12 min 59 s
